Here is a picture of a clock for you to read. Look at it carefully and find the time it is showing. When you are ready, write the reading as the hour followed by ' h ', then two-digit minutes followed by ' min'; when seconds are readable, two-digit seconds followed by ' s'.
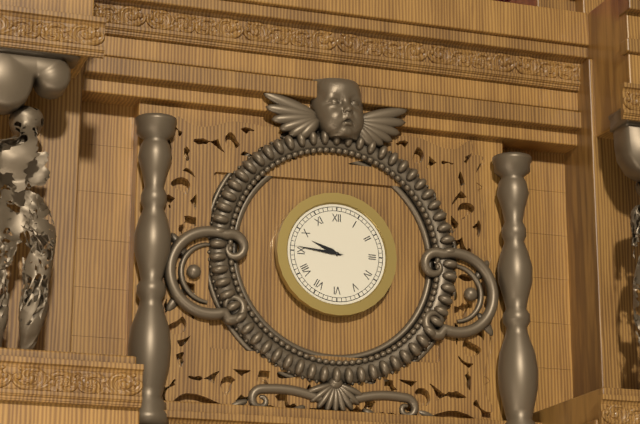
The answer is 9 h 46 min
